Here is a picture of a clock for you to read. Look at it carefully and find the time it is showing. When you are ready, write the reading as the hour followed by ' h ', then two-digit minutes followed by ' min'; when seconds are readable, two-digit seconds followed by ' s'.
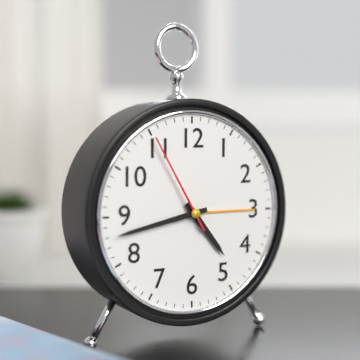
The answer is 4 h 43 min 55 s
